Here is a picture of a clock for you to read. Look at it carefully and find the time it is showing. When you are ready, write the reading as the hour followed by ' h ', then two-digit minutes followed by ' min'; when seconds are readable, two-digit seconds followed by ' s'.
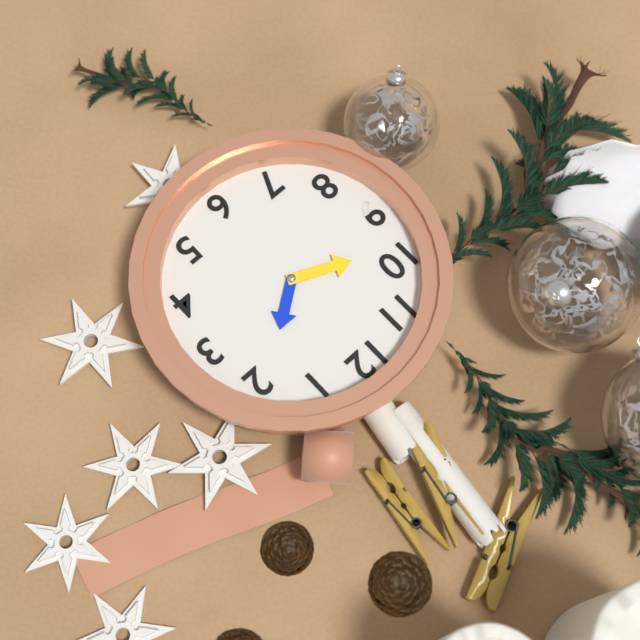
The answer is 1 h 49 min
